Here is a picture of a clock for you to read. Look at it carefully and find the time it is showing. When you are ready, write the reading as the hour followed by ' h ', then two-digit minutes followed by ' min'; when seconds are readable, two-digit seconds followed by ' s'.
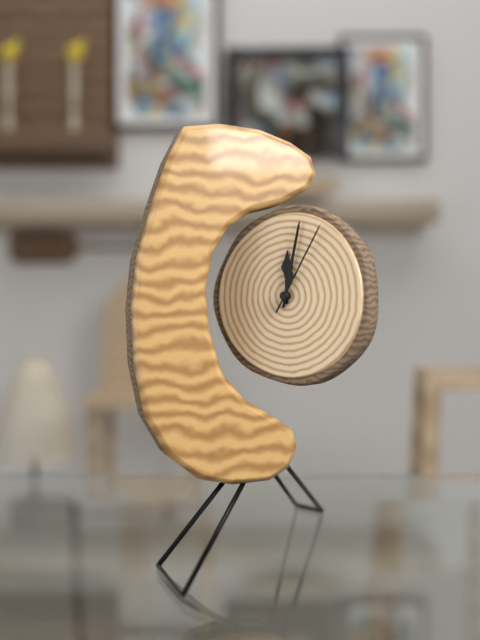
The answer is 12 h 02 min 05 s
